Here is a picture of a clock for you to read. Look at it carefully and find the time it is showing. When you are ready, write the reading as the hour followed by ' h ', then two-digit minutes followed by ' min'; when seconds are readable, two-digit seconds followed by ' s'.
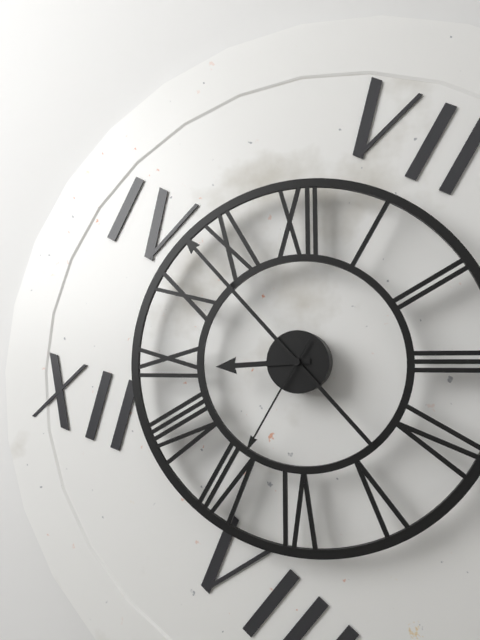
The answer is 8 h 53 min 35 s
